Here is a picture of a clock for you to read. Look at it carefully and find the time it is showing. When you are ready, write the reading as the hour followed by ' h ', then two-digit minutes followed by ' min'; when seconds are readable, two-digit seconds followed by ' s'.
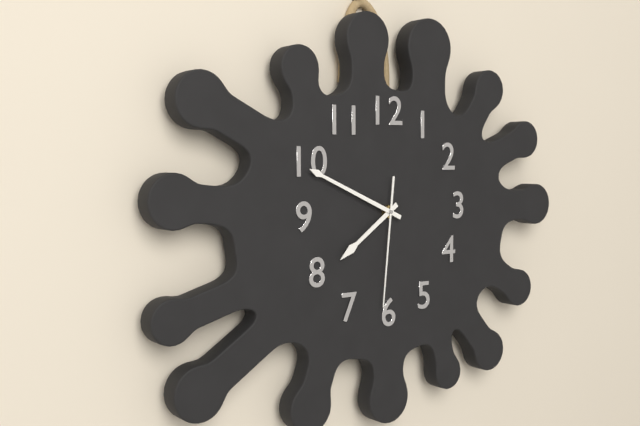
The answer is 7 h 49 min 31 s
